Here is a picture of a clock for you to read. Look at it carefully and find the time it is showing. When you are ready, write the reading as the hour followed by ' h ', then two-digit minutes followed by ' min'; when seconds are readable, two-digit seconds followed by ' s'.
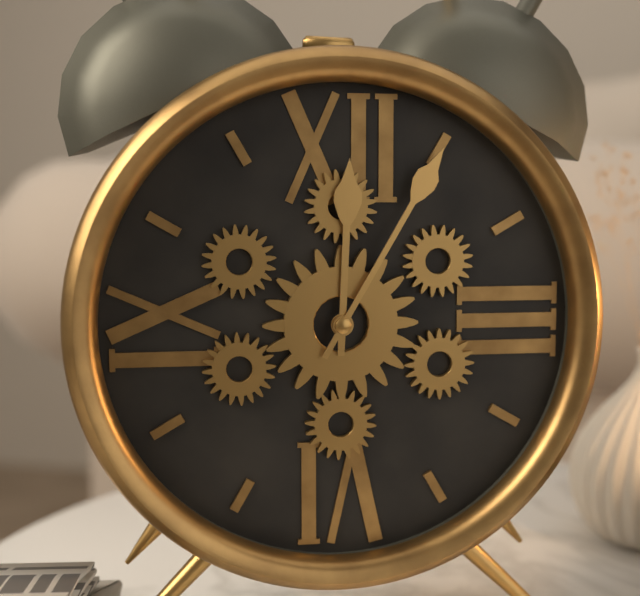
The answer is 12 h 05 min
